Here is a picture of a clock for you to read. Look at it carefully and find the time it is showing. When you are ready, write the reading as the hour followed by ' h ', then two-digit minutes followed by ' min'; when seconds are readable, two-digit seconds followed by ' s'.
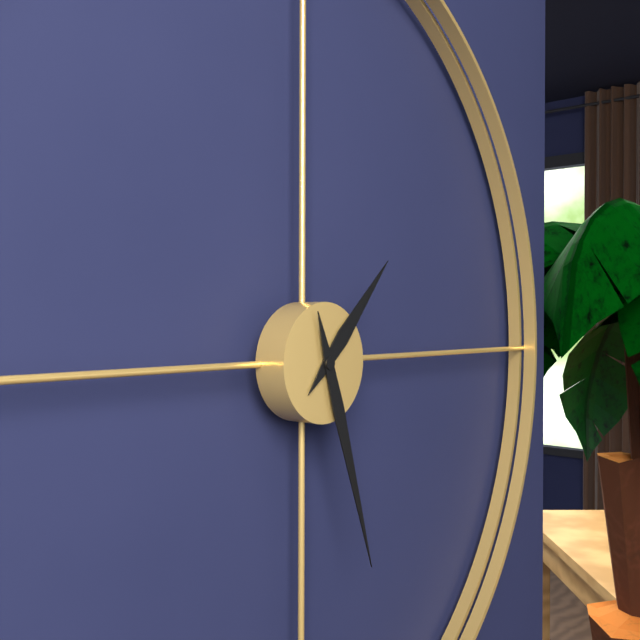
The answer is 1 h 27 min
